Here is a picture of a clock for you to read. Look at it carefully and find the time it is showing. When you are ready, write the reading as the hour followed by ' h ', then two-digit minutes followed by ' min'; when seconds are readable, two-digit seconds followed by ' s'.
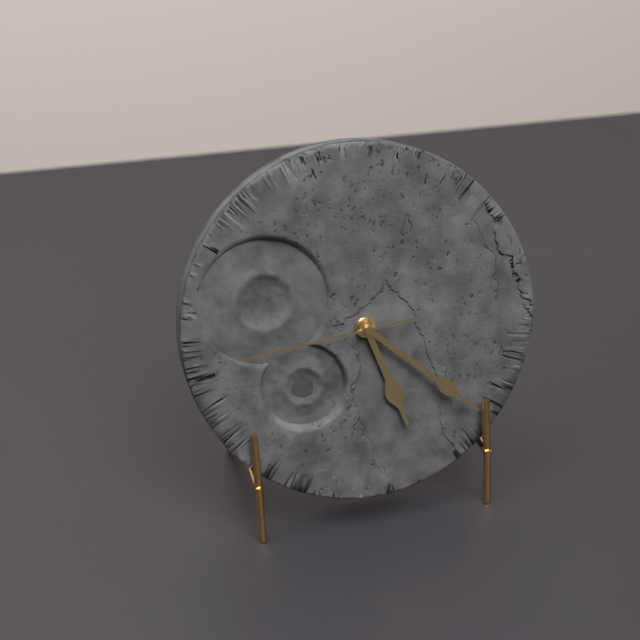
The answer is 5 h 22 min 44 s
